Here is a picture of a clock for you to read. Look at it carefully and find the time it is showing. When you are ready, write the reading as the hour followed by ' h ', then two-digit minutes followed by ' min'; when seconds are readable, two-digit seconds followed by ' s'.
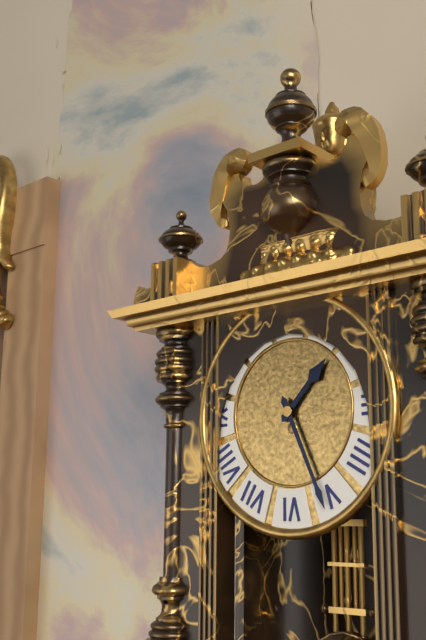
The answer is 1 h 26 min
